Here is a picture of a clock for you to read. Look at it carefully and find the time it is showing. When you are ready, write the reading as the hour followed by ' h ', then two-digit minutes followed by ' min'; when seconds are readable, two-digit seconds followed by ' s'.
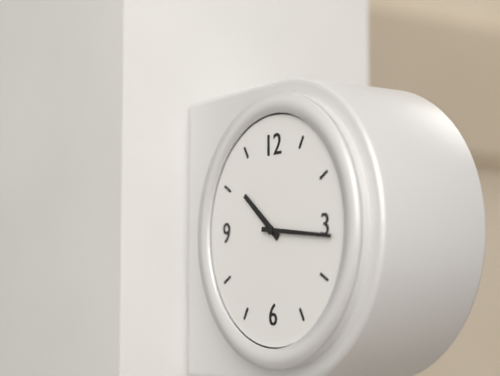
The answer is 10 h 16 min
